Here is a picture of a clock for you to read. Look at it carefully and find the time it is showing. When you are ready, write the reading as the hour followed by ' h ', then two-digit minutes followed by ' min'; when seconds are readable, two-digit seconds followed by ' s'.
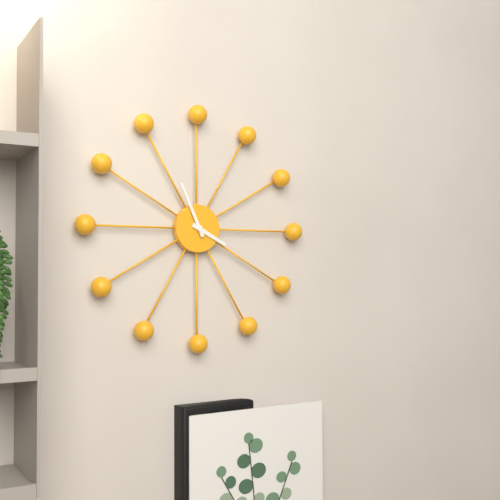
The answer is 3 h 56 min
